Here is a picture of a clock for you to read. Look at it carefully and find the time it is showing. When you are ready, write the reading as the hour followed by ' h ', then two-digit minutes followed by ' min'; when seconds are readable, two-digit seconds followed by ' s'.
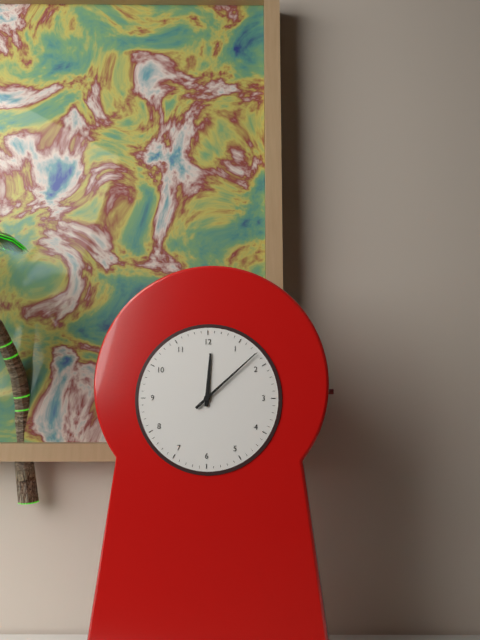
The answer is 12 h 08 min
